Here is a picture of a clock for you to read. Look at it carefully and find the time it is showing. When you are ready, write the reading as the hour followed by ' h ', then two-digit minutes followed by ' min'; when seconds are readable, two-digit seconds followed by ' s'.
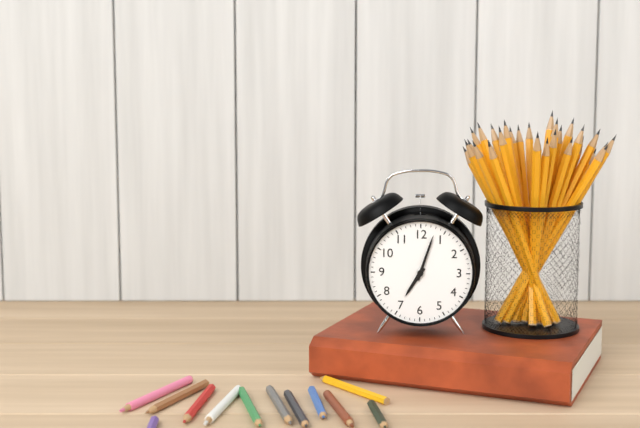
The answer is 7 h 03 min
